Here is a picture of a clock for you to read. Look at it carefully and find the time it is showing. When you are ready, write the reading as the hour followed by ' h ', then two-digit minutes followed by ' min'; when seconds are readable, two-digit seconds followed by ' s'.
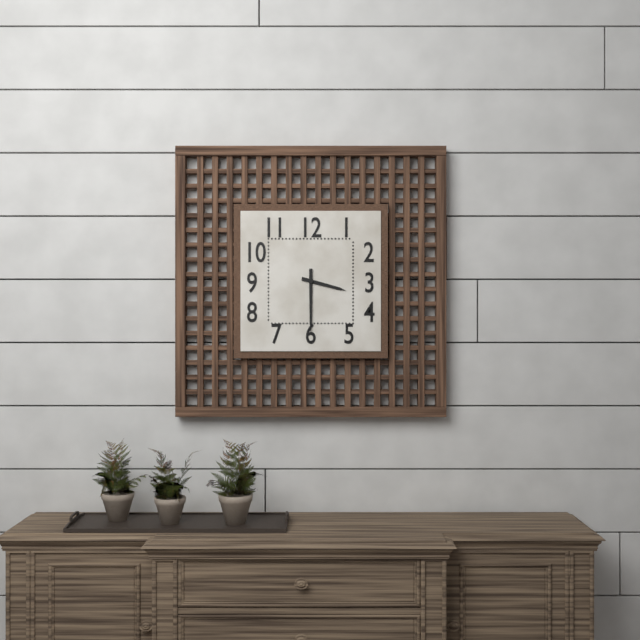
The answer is 3 h 30 min
